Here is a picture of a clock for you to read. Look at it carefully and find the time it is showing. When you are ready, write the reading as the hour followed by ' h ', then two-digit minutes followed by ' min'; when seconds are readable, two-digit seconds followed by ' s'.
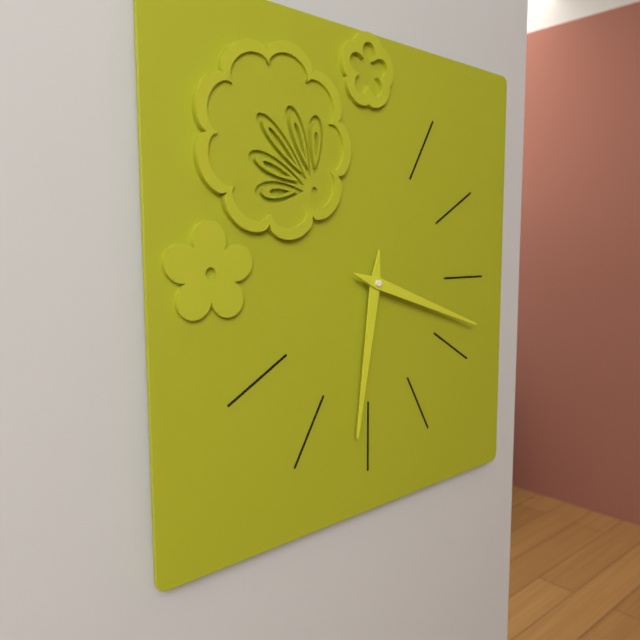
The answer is 6 h 18 min
